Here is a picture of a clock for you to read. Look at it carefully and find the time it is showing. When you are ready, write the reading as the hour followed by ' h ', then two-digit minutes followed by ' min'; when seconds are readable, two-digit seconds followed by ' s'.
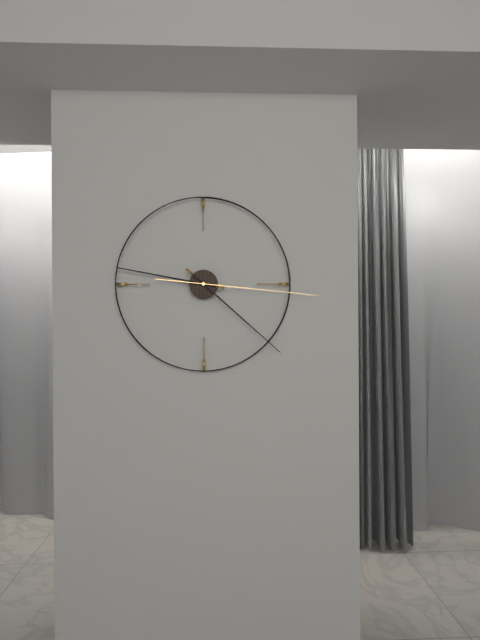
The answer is 9 h 22 min 16 s
